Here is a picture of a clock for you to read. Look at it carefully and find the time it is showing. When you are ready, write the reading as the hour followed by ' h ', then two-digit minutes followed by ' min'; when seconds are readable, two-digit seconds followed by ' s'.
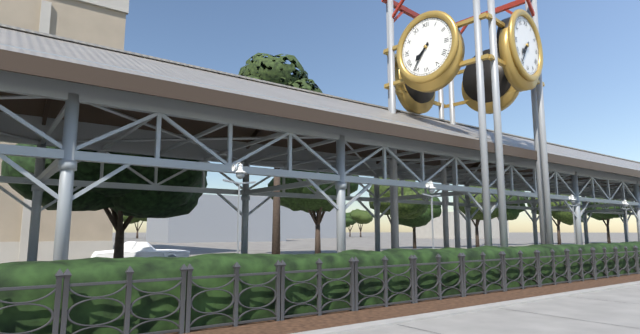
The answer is 7 h 36 min
